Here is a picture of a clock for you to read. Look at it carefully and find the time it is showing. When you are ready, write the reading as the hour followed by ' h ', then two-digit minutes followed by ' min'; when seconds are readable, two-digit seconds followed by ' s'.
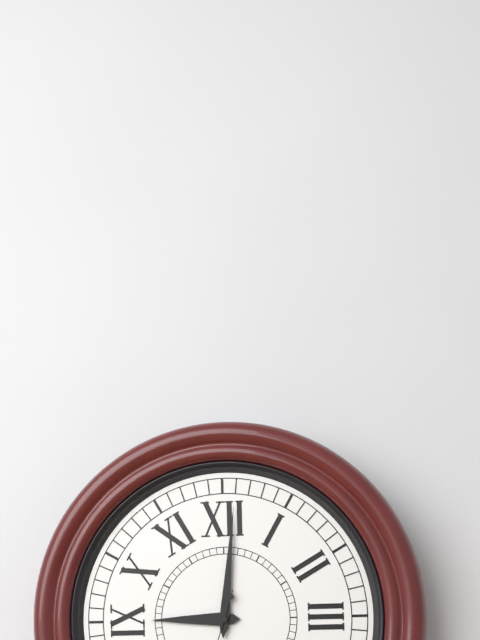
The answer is 9 h 01 min
